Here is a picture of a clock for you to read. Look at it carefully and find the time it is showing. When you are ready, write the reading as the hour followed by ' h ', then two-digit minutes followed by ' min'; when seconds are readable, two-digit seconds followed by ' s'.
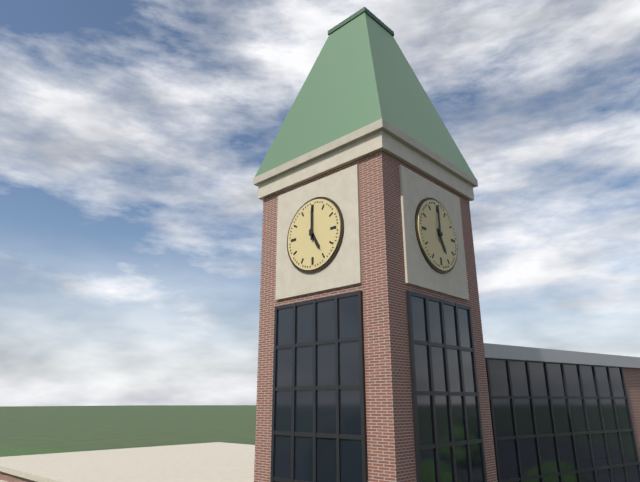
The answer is 5 h 00 min
